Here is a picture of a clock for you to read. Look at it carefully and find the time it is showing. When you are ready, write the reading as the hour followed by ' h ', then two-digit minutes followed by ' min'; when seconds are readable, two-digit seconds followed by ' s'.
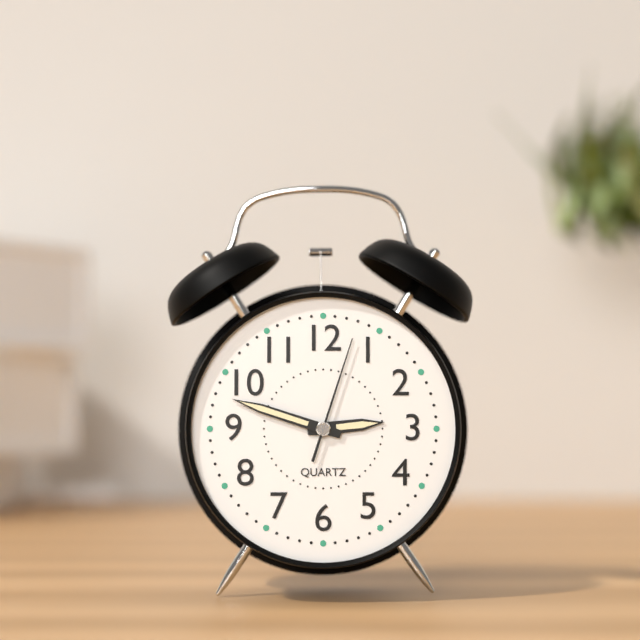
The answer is 2 h 48 min 03 s
